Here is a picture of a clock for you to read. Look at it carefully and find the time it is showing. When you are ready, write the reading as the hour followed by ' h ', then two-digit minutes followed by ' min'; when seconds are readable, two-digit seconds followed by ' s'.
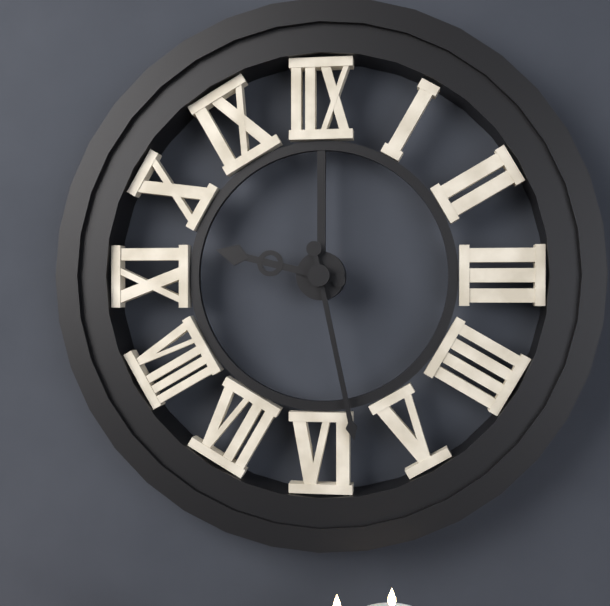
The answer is 9 h 28 min
